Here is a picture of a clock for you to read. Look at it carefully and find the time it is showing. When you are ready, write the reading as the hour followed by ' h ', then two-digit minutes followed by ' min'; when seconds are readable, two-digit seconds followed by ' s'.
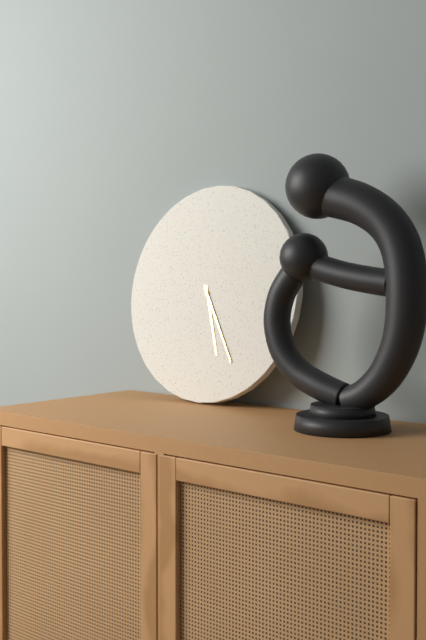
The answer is 5 h 25 min
